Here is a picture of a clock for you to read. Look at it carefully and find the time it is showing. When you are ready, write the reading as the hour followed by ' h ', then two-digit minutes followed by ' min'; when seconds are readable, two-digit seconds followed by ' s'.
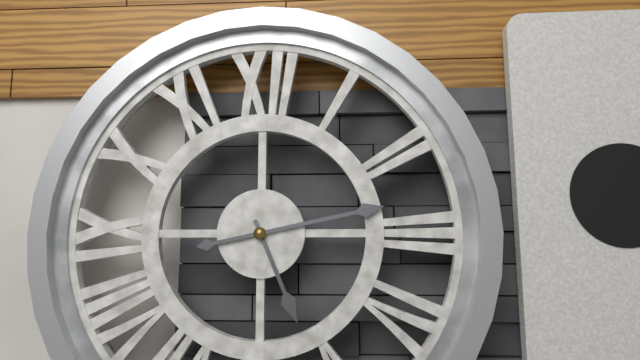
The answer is 5 h 13 min
